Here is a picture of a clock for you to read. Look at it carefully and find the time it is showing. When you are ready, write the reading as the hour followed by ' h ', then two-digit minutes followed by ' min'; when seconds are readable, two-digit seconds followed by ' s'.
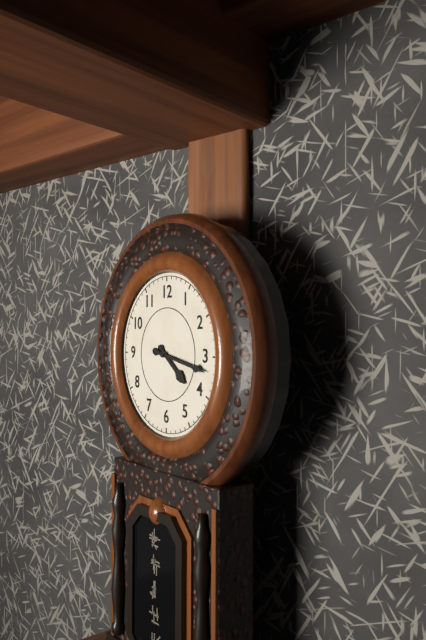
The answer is 4 h 17 min
